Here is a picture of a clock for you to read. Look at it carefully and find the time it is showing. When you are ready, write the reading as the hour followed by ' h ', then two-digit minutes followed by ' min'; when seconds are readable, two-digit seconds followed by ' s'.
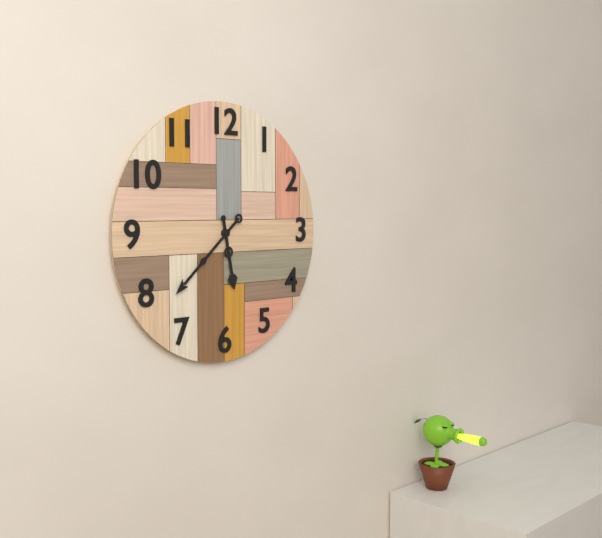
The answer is 5 h 38 min
